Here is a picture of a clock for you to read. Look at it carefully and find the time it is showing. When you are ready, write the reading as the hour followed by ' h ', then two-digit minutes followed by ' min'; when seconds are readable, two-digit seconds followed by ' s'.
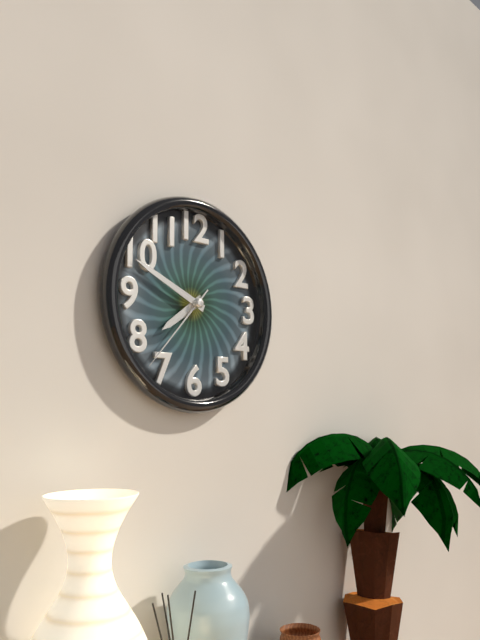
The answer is 7 h 49 min 37 s
